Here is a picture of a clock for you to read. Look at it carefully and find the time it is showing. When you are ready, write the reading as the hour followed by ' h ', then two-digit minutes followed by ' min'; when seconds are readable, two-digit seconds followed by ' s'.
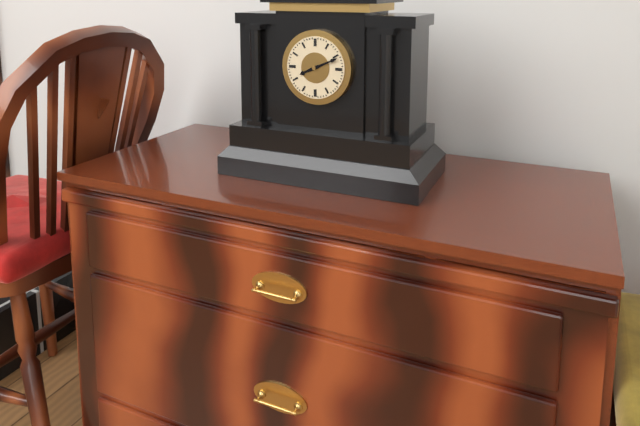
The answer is 8 h 11 min
